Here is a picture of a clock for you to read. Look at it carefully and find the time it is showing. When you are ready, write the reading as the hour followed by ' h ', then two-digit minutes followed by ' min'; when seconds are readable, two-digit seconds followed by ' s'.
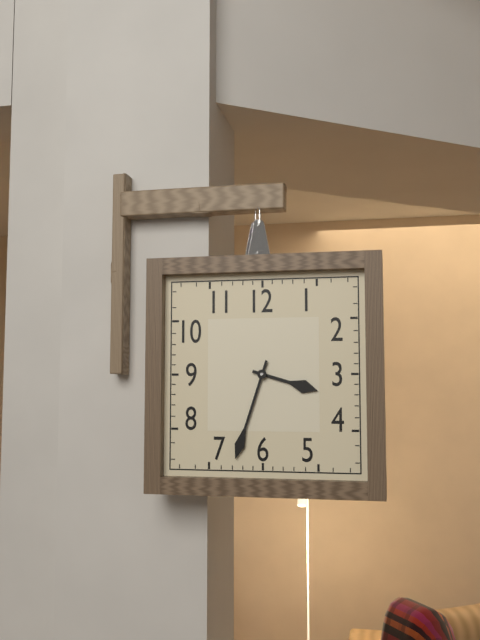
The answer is 3 h 33 min
